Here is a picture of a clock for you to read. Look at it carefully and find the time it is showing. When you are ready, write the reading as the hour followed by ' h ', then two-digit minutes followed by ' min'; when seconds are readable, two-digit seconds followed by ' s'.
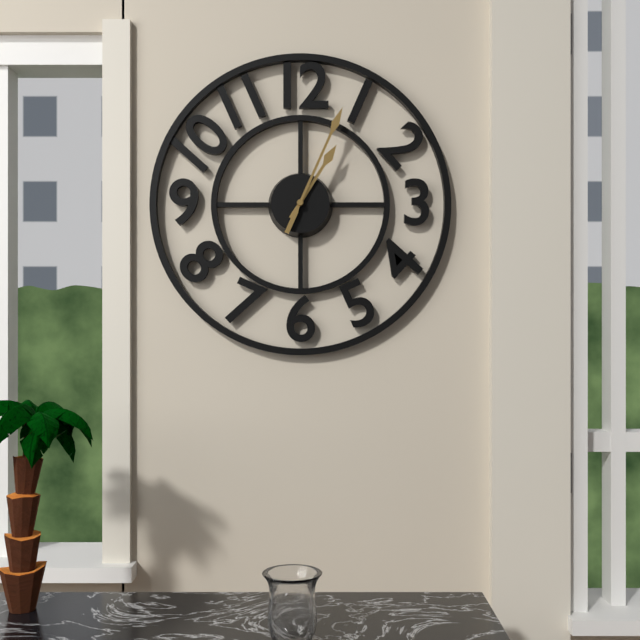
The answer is 1 h 04 min
